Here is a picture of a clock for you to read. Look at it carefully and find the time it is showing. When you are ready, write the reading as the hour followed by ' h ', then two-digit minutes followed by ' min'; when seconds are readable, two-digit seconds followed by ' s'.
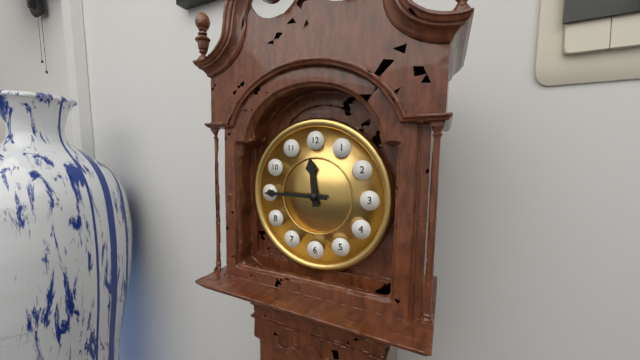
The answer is 11 h 45 min
